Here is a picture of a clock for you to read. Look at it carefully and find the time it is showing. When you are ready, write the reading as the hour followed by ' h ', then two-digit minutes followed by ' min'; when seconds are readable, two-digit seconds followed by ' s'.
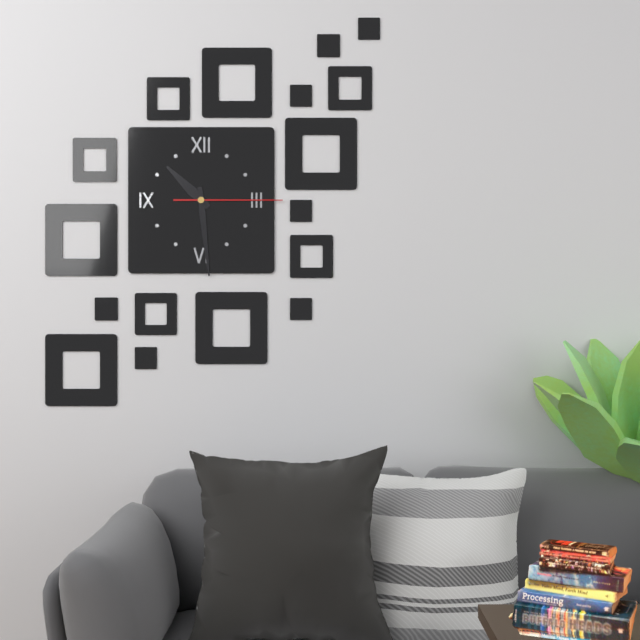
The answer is 10 h 29 min 15 s
